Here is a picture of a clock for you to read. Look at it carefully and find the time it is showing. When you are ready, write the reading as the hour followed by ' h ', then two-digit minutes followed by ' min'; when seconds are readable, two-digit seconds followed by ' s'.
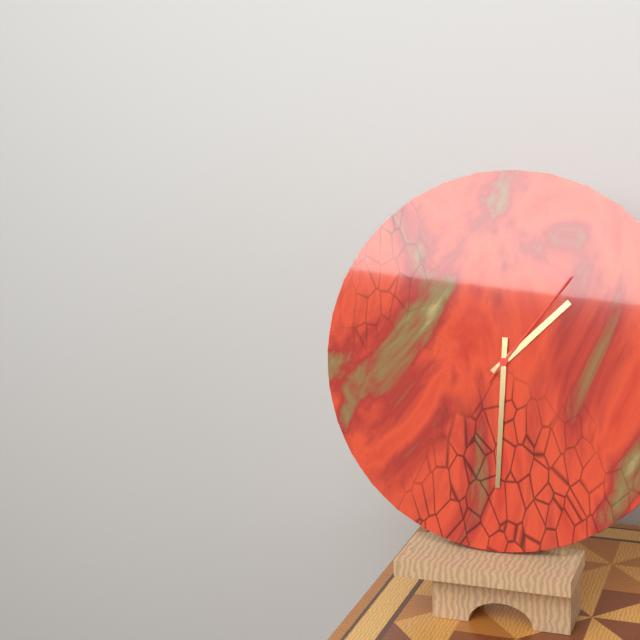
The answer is 1 h 30 min 06 s
